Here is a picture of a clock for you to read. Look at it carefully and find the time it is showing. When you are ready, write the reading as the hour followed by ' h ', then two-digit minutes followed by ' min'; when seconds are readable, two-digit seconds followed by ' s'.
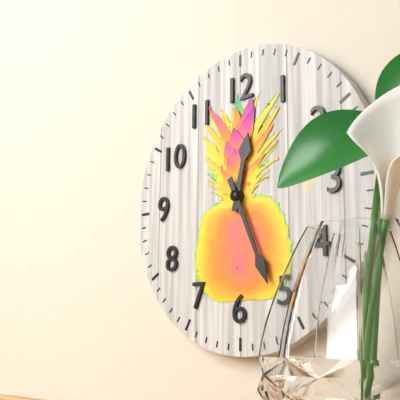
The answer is 12 h 26 min
